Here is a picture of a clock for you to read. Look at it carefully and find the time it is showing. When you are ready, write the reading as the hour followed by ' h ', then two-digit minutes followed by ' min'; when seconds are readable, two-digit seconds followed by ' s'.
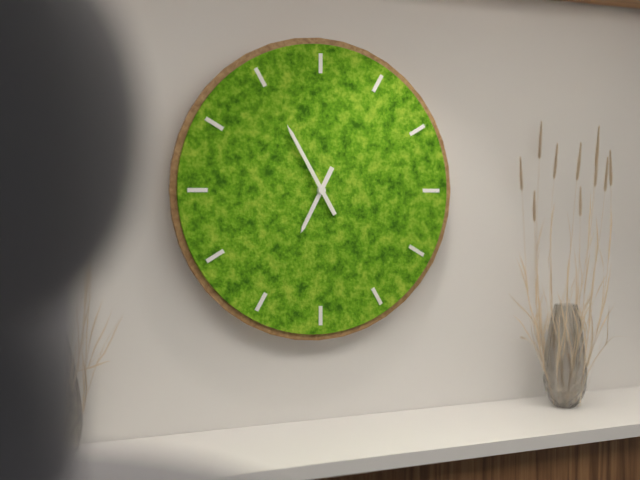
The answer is 6 h 55 min
